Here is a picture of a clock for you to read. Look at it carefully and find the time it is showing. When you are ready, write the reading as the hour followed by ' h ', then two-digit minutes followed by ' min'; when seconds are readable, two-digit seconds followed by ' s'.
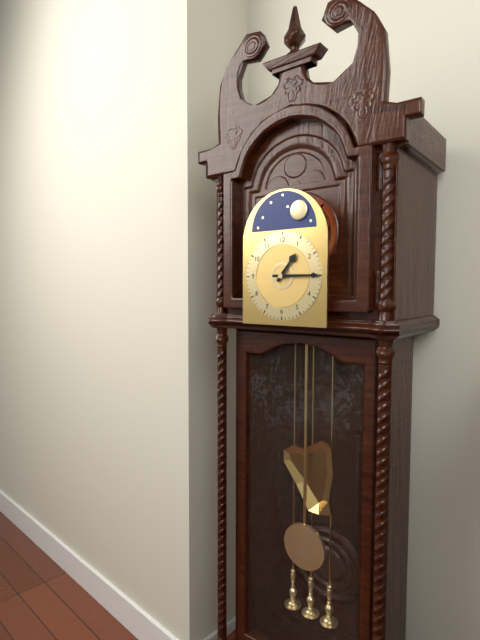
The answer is 1 h 15 min
